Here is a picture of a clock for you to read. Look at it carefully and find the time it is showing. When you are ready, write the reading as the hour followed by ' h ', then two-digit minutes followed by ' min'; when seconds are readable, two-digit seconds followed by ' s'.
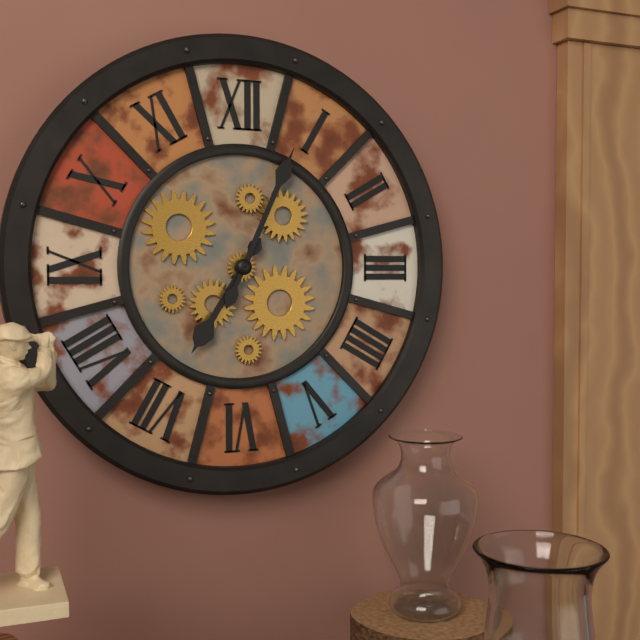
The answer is 7 h 04 min
